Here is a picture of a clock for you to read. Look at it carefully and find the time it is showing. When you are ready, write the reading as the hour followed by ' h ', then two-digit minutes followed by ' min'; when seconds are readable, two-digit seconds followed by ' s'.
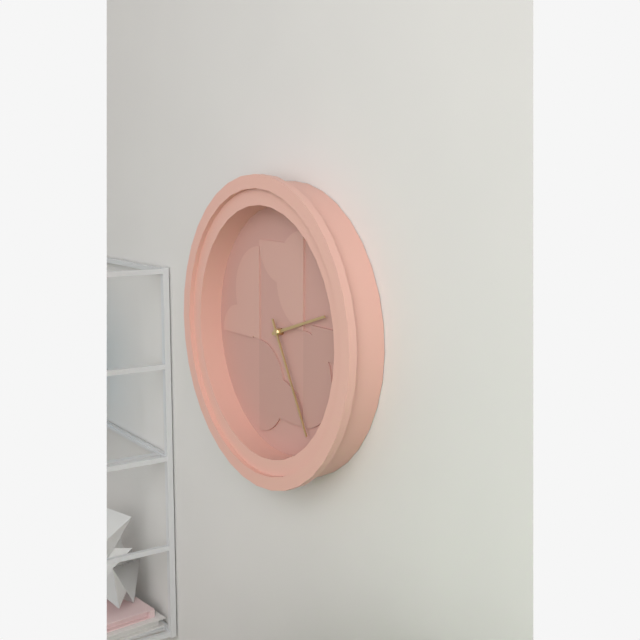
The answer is 2 h 25 min
